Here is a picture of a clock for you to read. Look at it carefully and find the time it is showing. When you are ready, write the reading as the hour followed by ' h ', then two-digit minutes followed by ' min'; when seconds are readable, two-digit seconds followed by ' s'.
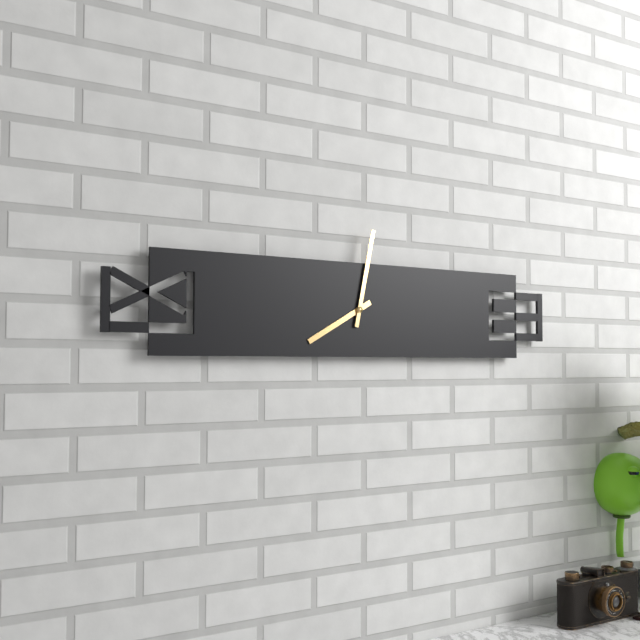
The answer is 8 h 02 min
